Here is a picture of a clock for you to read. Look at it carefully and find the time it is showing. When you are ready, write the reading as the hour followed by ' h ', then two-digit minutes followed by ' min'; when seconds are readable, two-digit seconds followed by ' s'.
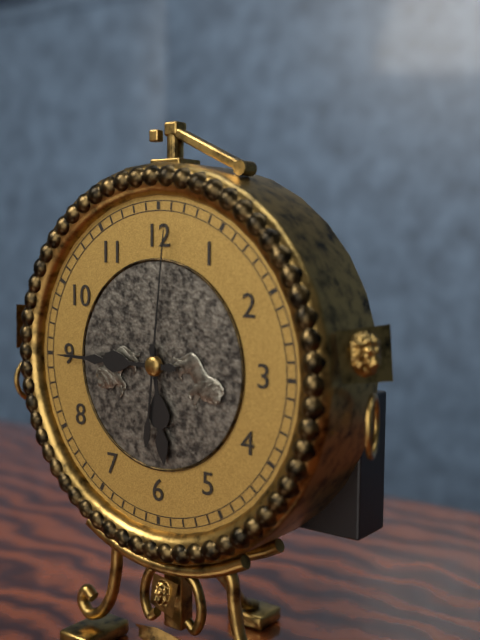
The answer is 5 h 45 min 01 s
